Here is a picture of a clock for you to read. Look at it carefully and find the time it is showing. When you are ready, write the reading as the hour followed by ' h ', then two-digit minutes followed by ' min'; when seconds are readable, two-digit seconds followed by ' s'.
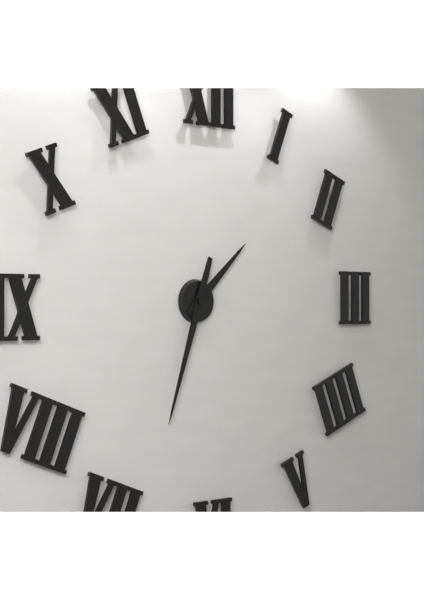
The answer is 1 h 33 min
